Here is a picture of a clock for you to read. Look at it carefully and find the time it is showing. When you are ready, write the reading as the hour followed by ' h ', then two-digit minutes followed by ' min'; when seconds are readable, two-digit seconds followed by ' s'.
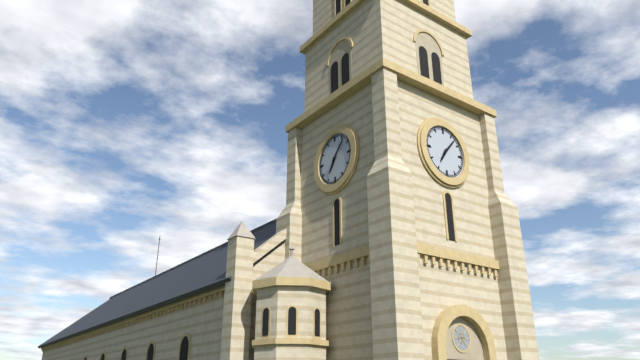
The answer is 7 h 07 min
